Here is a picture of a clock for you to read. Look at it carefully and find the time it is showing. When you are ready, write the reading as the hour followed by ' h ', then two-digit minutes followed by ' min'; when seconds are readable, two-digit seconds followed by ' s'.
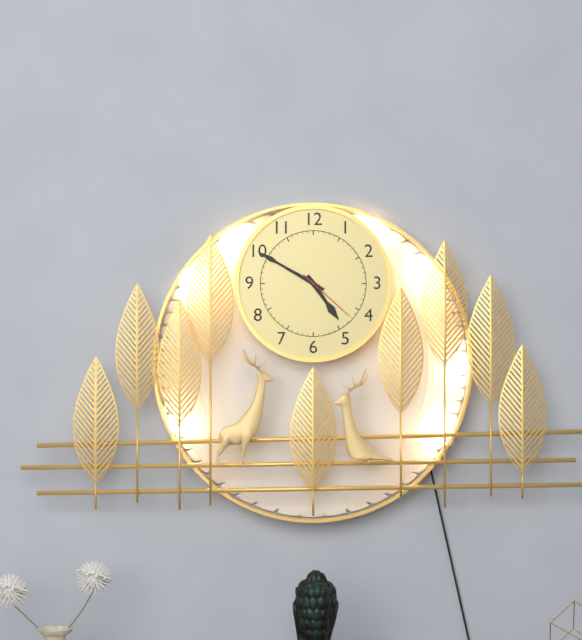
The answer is 4 h 50 min 22 s
